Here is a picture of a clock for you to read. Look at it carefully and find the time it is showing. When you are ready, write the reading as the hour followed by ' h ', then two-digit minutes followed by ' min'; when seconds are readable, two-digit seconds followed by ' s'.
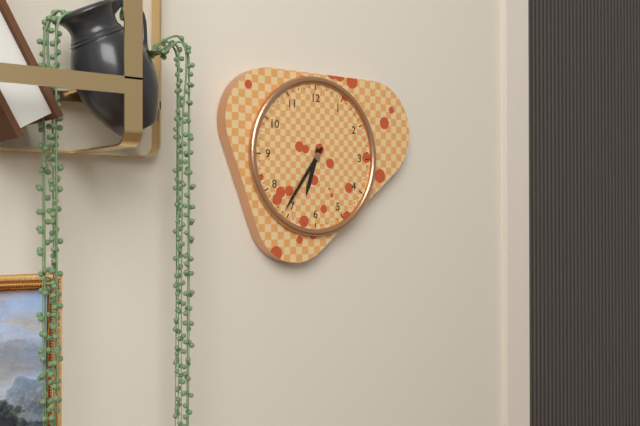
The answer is 6 h 36 min
